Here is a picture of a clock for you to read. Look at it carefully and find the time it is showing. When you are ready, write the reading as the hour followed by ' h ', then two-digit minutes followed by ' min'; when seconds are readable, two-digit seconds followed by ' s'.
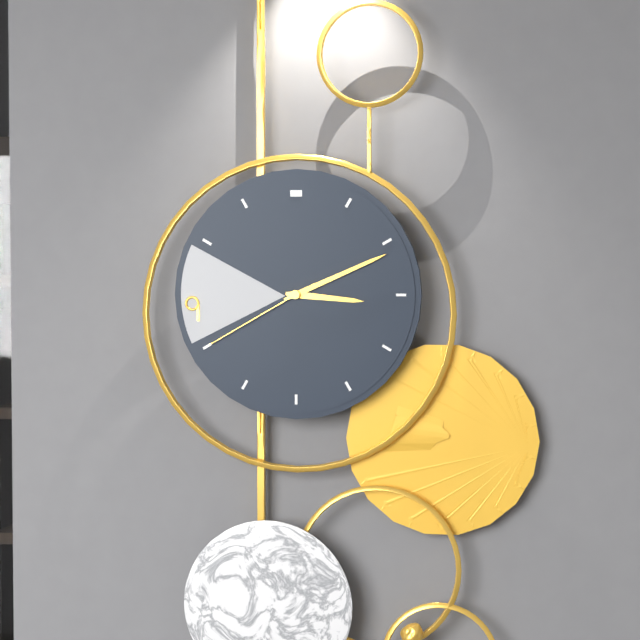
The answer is 3 h 11 min 40 s
